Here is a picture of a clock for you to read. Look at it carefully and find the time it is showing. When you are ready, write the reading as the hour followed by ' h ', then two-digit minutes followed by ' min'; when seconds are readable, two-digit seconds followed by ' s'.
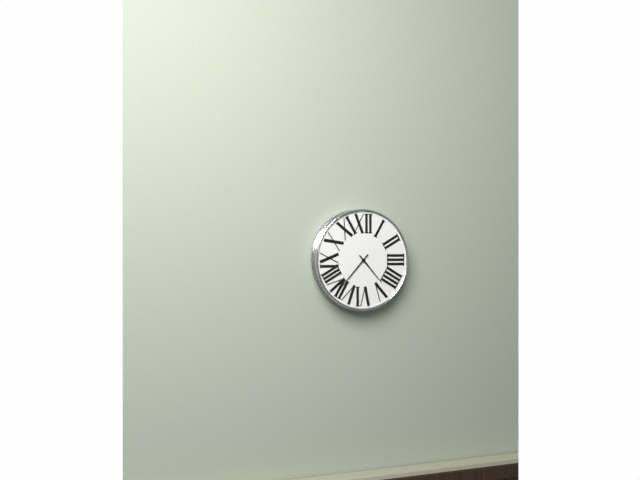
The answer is 4 h 37 min
